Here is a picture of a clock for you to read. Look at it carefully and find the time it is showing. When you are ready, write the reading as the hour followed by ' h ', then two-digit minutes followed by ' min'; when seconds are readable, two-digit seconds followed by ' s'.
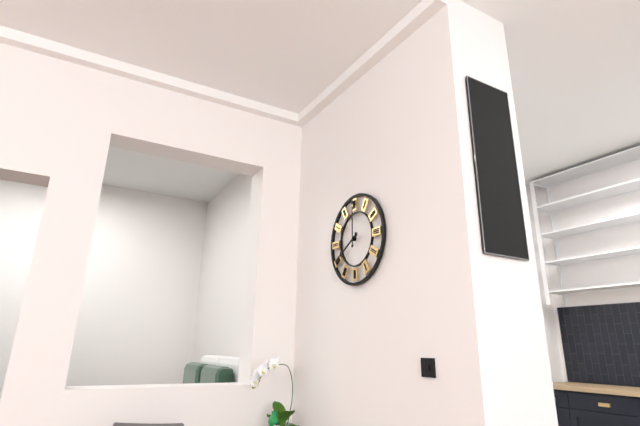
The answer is 8 h 00 min
